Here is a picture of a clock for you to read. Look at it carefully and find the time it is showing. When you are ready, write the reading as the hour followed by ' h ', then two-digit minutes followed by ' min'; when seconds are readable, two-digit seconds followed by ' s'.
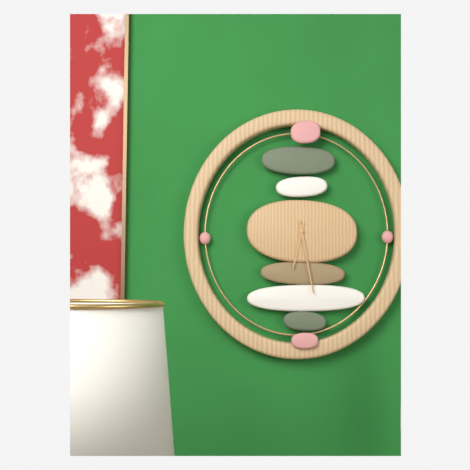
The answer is 6 h 28 min
